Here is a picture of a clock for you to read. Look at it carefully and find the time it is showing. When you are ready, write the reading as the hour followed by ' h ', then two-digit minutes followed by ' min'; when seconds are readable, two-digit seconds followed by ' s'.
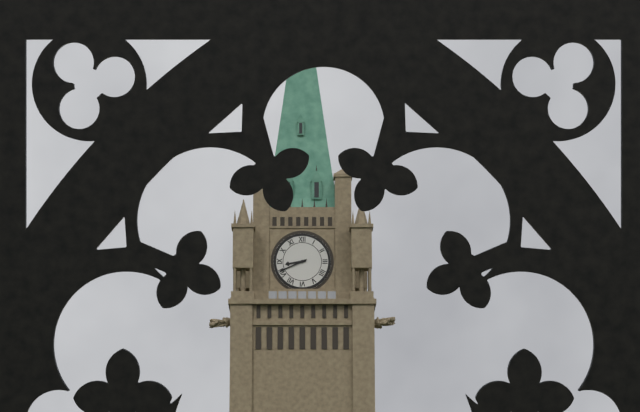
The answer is 8 h 41 min
